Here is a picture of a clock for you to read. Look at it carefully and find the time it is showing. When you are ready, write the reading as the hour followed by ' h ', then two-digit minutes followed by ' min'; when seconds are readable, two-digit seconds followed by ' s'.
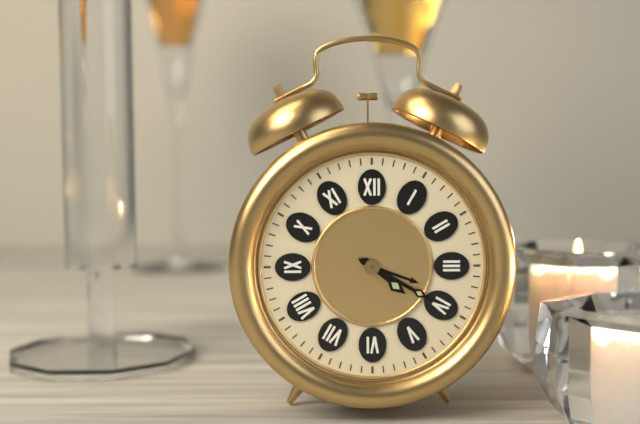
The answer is 4 h 20 min
